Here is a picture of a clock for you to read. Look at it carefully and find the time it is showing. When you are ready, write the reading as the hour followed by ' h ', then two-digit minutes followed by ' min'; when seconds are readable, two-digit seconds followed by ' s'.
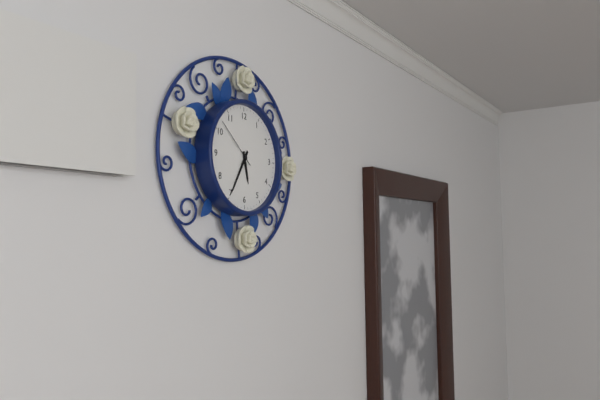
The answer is 5 h 35 min 52 s
